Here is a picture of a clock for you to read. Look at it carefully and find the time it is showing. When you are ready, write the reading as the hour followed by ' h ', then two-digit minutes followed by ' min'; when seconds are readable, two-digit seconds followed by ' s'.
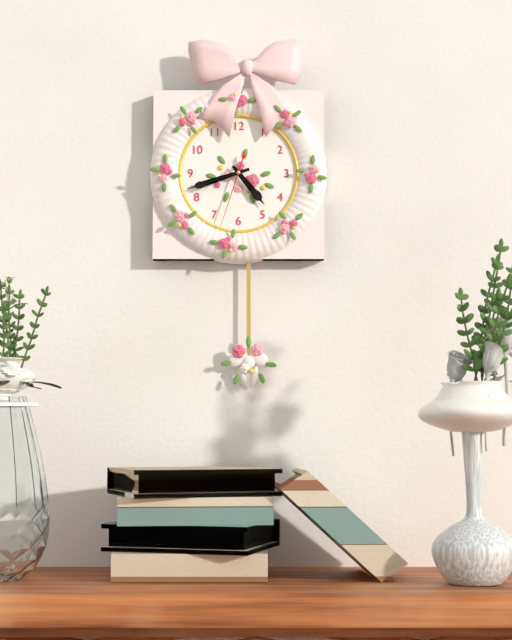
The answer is 4 h 42 min 33 s
